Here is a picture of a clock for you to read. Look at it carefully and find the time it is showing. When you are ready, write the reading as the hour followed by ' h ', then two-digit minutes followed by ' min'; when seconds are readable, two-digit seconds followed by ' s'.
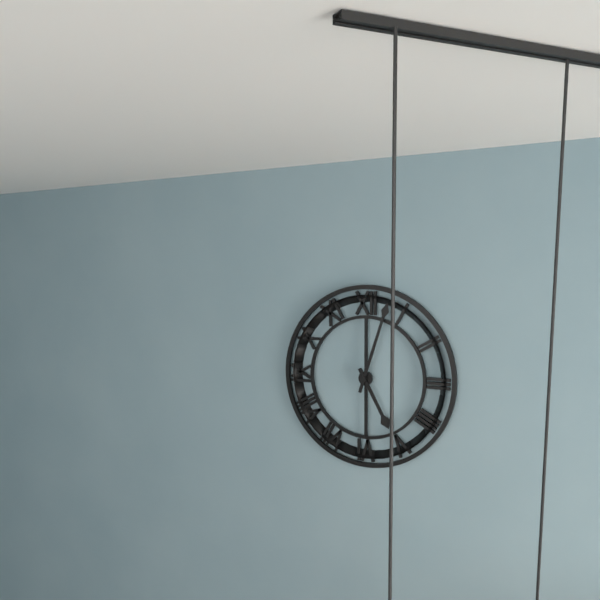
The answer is 5 h 03 min
